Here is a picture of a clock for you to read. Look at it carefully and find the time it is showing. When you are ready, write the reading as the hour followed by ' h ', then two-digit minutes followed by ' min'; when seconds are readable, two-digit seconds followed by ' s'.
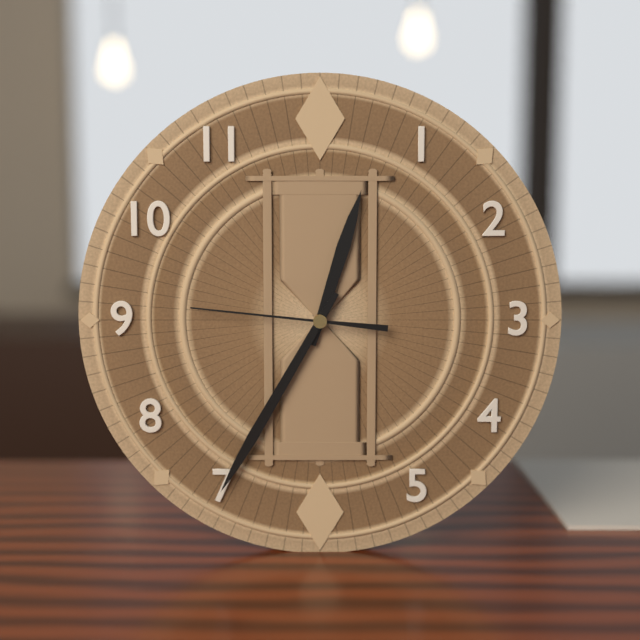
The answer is 12 h 35 min 46 s
